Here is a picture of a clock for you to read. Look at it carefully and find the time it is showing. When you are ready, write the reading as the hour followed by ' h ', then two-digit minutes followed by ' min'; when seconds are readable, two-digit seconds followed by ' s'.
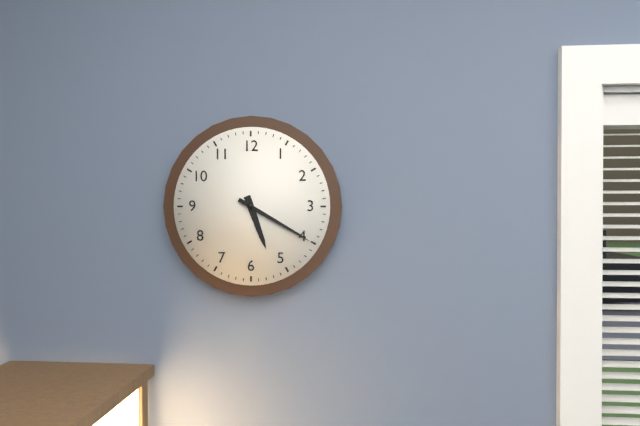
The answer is 5 h 20 min
